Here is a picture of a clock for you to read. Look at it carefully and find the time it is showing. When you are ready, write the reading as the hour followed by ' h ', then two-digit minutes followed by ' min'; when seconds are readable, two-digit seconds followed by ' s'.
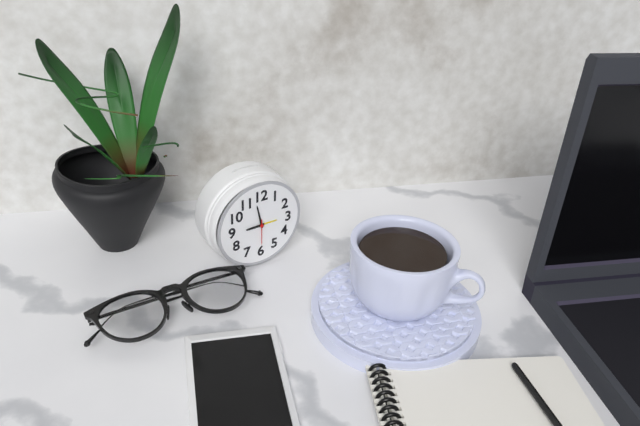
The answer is 8 h 58 min
